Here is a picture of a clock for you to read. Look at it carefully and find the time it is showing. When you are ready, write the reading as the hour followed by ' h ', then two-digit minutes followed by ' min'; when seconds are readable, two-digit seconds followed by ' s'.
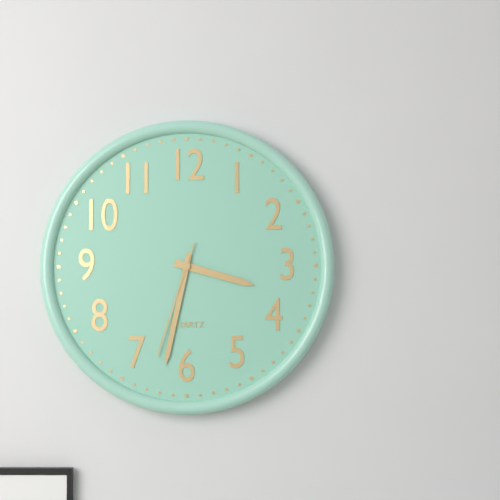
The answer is 3 h 32 min 33 s
